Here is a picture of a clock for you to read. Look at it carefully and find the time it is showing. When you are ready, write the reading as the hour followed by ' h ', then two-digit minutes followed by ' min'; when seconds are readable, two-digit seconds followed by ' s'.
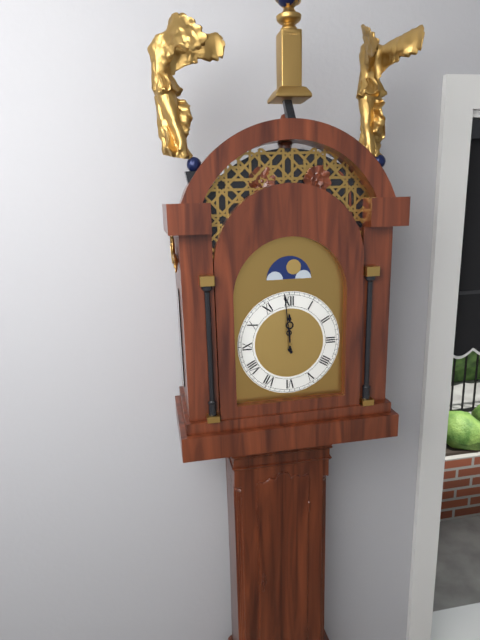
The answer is 11 h 59 min
